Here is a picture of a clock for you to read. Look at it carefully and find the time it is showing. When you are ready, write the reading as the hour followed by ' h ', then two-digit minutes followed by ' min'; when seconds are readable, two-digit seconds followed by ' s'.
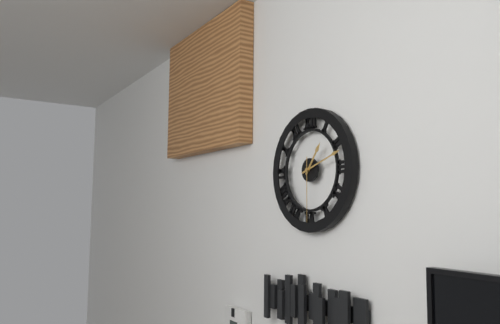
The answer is 1 h 12 min 30 s
